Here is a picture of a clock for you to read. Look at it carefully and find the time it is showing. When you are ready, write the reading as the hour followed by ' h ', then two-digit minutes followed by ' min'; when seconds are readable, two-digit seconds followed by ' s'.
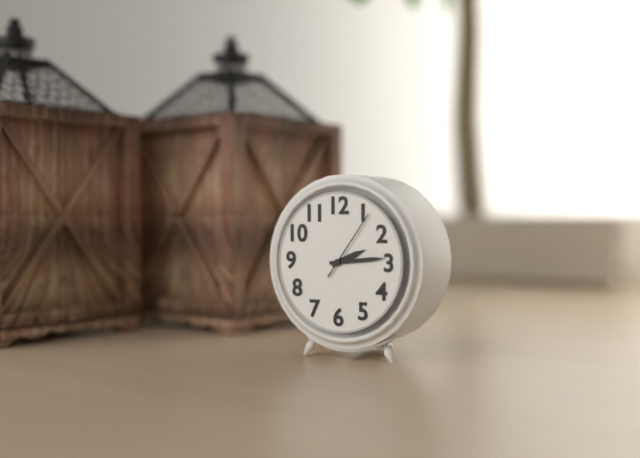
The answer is 2 h 14 min 06 s
